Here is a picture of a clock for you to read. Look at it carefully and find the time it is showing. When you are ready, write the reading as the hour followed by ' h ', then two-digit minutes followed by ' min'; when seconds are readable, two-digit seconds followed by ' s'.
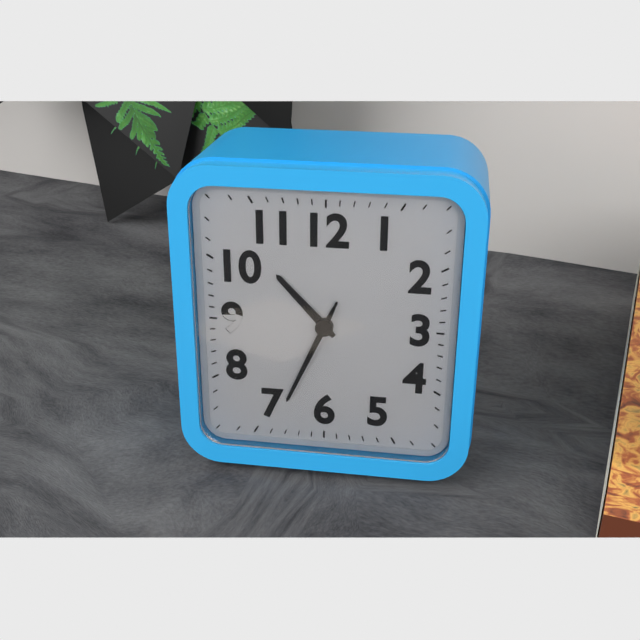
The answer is 10 h 34 min
